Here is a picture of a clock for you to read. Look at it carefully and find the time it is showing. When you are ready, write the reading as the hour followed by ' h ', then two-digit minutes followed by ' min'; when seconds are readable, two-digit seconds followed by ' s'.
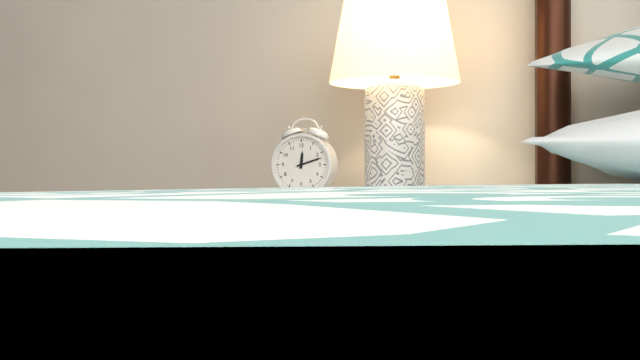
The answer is 12 h 12 min
